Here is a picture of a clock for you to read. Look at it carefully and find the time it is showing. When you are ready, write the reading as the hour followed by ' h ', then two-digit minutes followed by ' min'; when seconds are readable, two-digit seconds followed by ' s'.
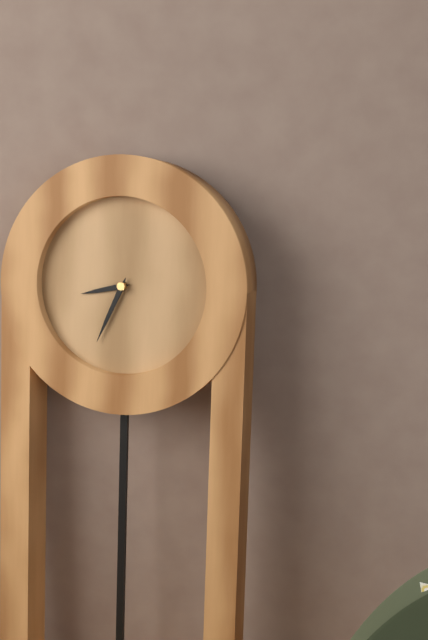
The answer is 8 h 34 min
